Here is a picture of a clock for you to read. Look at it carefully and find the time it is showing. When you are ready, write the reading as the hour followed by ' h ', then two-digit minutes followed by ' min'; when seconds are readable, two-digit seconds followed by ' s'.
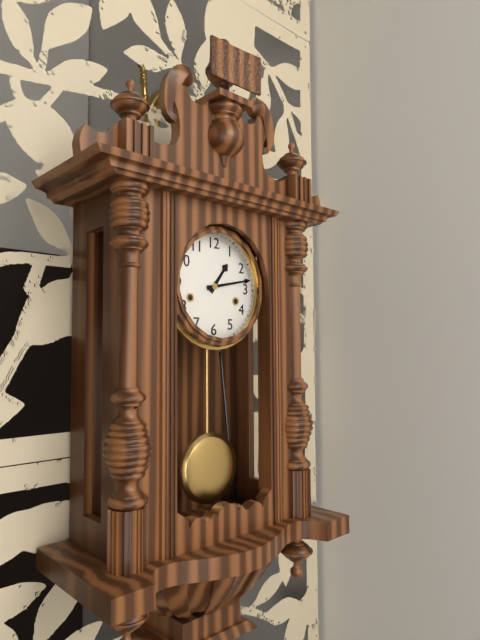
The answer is 1 h 13 min
